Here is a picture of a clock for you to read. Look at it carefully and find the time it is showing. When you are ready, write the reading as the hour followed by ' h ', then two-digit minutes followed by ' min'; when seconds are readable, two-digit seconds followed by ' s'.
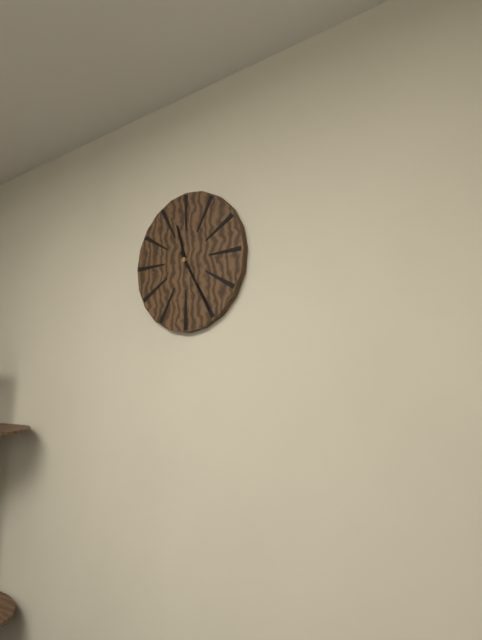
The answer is 11 h 25 min
